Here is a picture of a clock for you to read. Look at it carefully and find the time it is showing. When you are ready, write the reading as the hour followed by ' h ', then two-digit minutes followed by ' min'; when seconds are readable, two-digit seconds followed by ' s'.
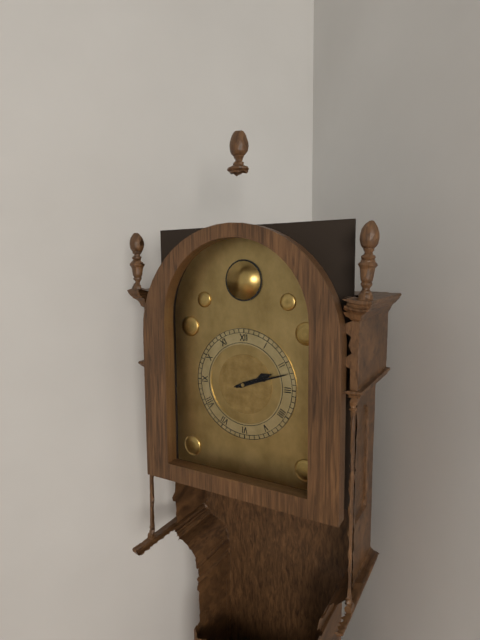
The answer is 2 h 12 min
